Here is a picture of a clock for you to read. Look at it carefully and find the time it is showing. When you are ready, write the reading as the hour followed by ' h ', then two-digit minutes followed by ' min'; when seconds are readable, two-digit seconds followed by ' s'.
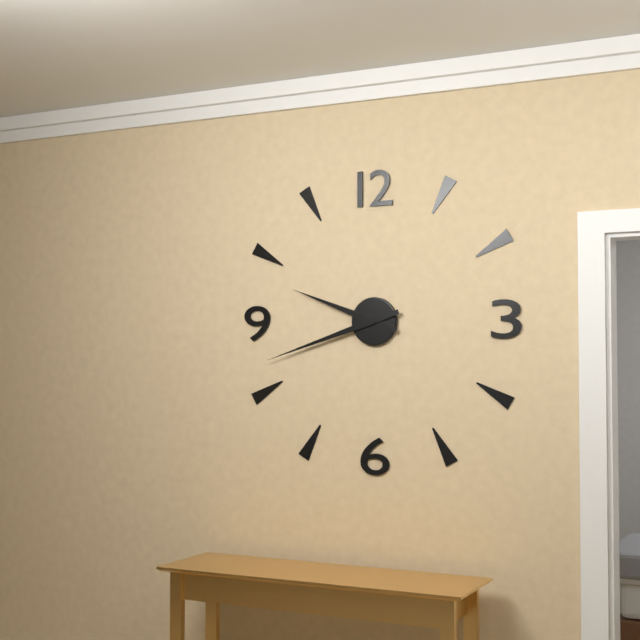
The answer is 9 h 42 min
